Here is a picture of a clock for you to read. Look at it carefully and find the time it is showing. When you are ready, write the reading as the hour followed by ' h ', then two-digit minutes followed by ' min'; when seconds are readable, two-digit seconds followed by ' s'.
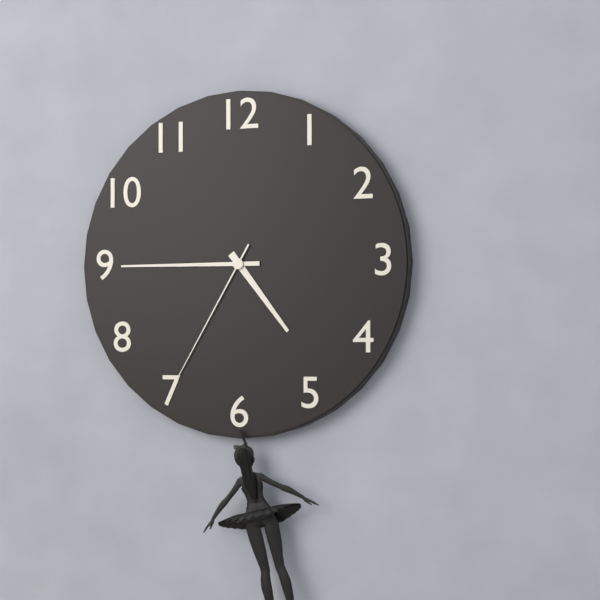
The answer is 4 h 45 min 35 s
